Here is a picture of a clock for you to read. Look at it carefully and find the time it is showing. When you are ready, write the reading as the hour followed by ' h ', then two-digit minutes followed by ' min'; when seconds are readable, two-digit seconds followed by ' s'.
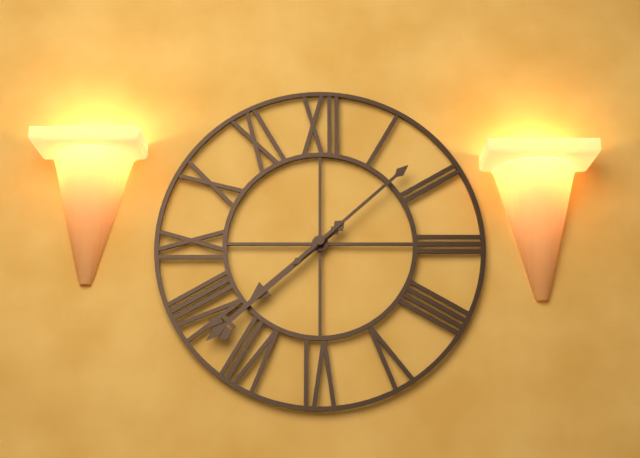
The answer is 7 h 38 min 08 s
